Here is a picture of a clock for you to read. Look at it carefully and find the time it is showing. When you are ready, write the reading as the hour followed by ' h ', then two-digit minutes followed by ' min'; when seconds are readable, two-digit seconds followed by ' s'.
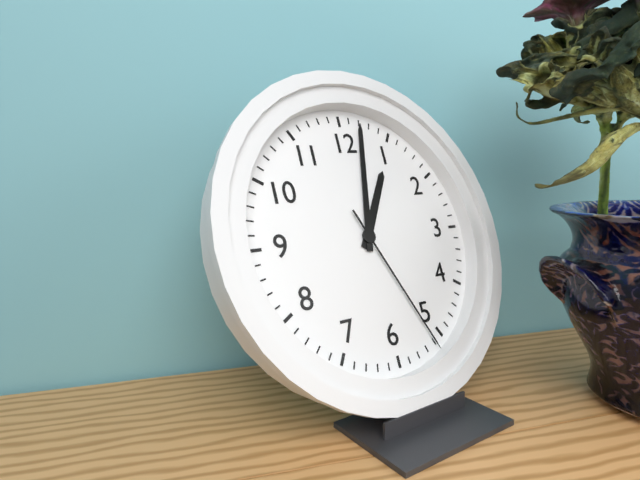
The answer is 1 h 02 min 26 s
